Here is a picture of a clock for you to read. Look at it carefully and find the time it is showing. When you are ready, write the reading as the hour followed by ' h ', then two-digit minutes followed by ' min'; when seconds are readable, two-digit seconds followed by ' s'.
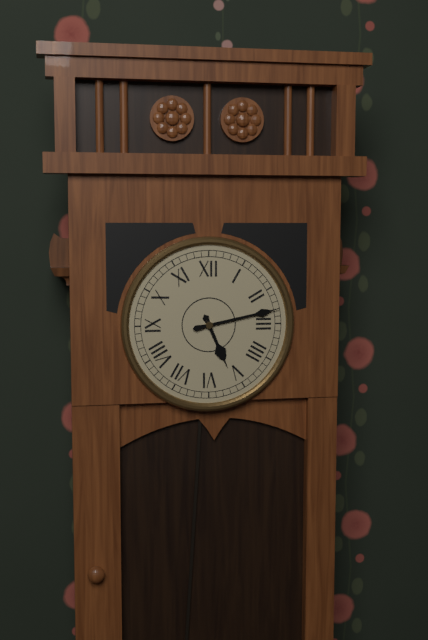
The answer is 5 h 13 min
